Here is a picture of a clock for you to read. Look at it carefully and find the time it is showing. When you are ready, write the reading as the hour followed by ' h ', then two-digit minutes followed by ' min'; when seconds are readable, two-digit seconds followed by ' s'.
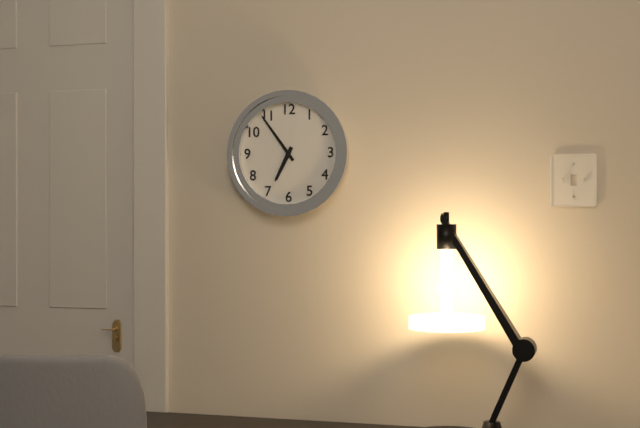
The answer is 6 h 54 min
